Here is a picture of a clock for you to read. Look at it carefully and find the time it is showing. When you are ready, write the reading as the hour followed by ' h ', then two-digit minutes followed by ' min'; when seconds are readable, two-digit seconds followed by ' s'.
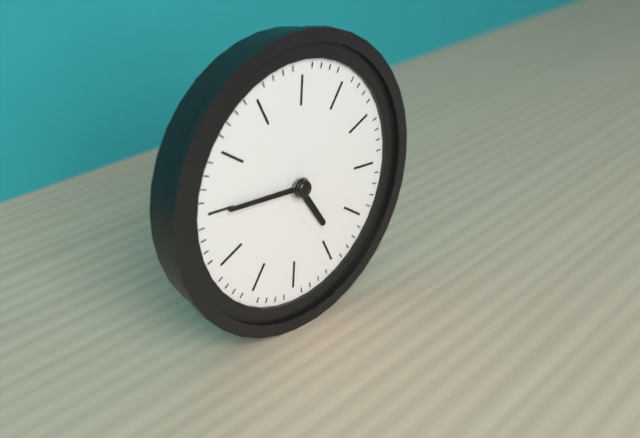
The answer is 4 h 45 min
